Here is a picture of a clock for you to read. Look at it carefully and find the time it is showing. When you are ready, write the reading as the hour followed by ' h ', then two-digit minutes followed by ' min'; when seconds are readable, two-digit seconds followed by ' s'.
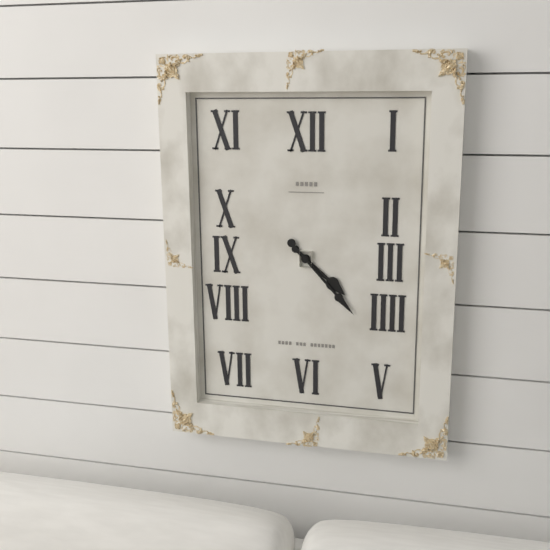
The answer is 4 h 23 min
